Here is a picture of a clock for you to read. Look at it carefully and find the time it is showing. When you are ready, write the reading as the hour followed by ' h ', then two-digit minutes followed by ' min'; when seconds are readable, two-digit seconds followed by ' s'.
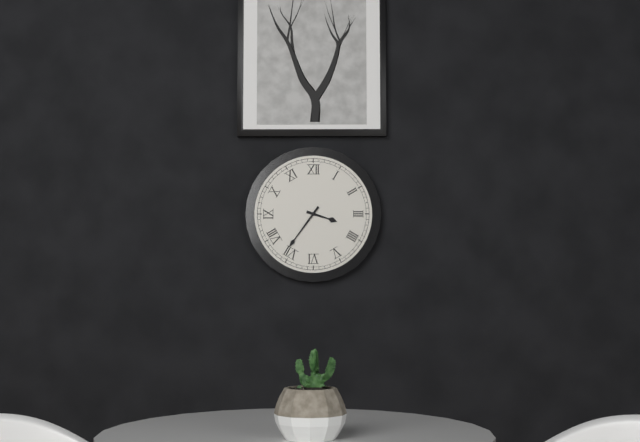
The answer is 3 h 36 min
